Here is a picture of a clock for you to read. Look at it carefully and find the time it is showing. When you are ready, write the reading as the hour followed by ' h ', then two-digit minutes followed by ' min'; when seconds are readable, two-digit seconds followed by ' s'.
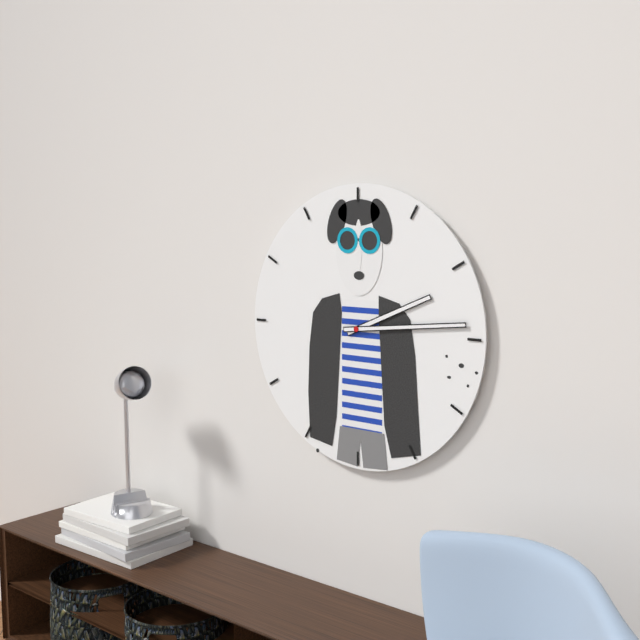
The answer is 2 h 14 min
